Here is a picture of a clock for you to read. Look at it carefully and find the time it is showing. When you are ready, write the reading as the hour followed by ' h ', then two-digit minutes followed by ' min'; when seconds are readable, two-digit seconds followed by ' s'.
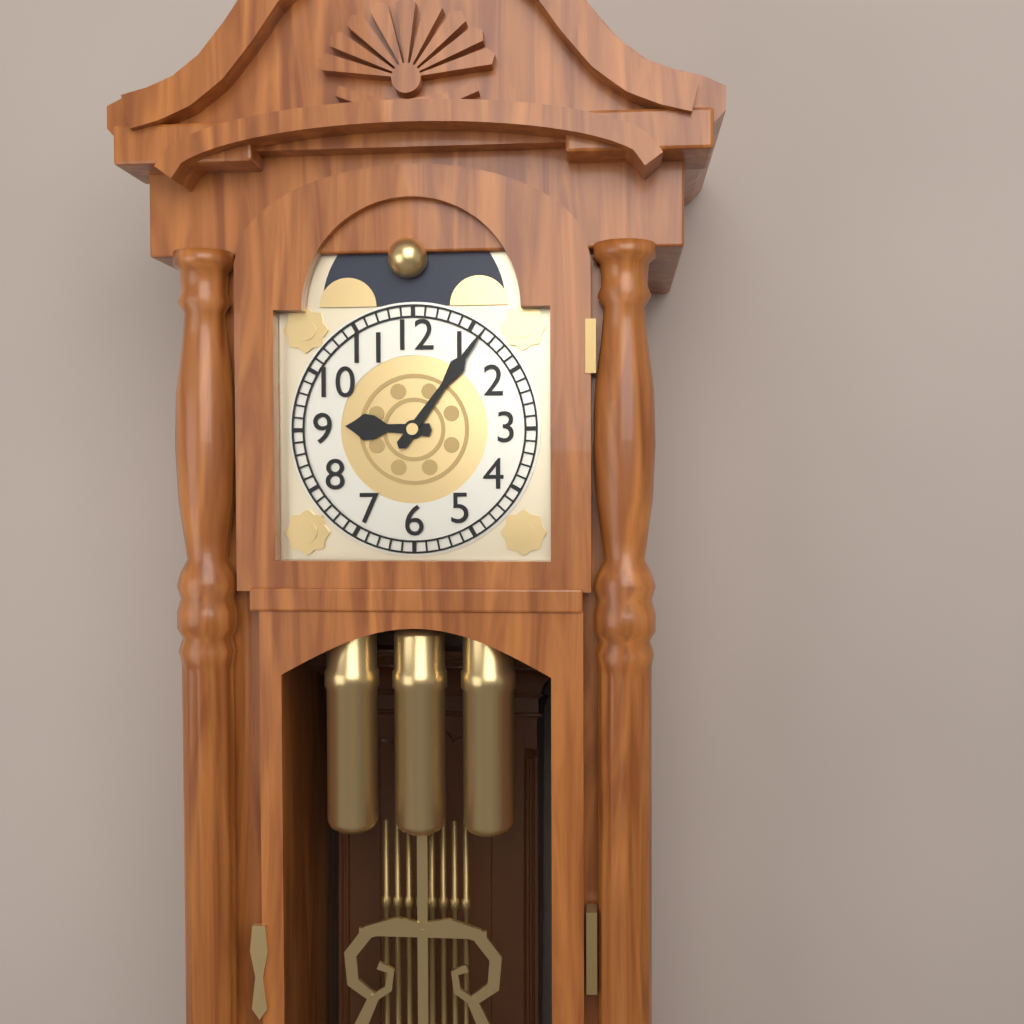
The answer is 9 h 06 min
